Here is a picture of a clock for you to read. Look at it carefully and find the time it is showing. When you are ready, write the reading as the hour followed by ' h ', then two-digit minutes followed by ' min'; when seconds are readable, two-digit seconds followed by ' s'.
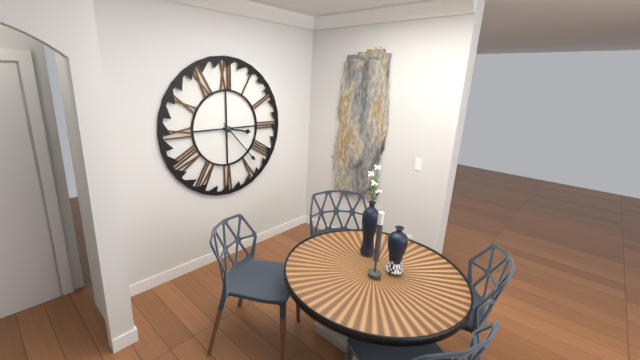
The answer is 3 h 23 min
